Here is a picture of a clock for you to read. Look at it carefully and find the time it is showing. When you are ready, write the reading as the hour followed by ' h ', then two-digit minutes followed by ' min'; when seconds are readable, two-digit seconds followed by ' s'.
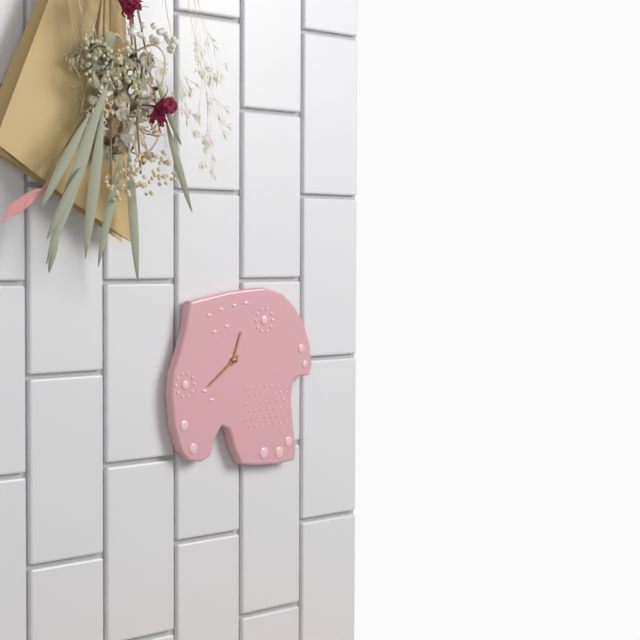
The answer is 12 h 39 min
